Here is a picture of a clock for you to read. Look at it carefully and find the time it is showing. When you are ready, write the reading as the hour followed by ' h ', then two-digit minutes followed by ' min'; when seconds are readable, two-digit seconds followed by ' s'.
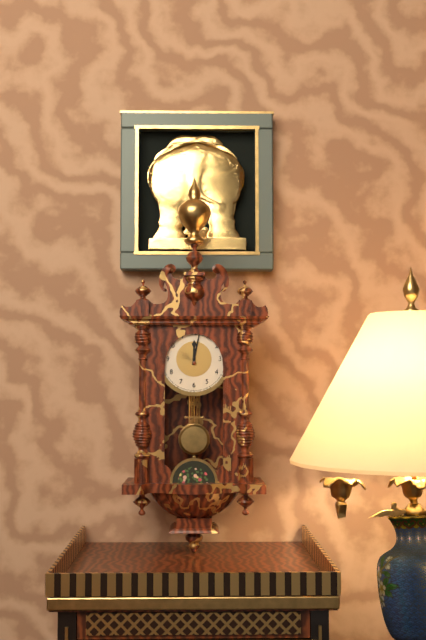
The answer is 12 h 02 min
